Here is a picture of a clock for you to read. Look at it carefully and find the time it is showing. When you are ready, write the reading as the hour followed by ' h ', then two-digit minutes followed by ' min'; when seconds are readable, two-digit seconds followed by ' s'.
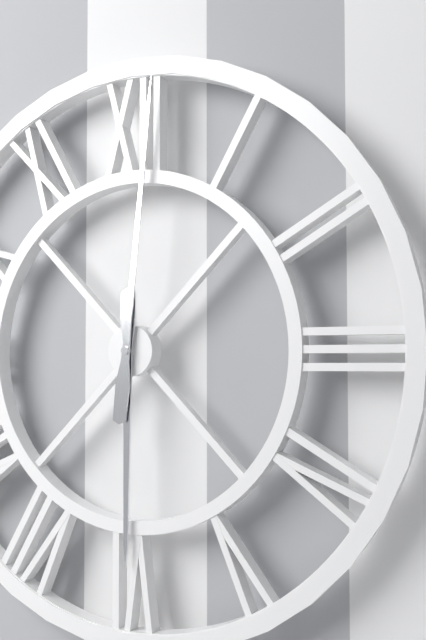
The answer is 6 h 01 min
